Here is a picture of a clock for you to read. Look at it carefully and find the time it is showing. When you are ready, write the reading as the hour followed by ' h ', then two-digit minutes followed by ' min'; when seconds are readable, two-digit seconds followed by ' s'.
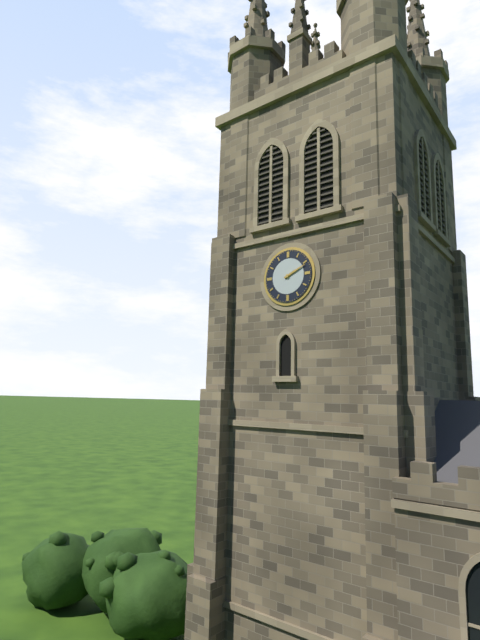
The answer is 2 h 11 min
